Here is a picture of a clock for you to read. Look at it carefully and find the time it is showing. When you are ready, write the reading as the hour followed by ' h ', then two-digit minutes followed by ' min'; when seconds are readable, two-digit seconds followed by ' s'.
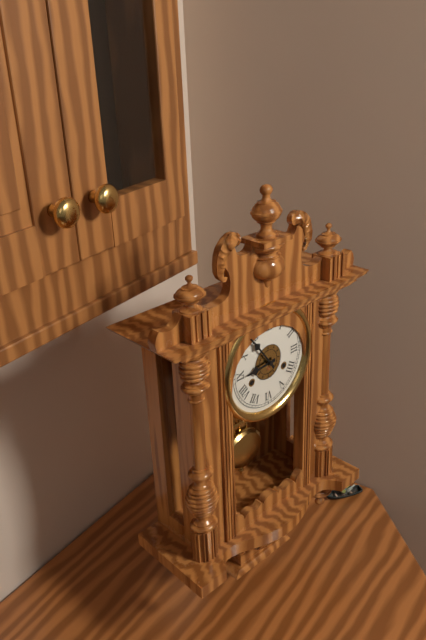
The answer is 8 h 54 min
